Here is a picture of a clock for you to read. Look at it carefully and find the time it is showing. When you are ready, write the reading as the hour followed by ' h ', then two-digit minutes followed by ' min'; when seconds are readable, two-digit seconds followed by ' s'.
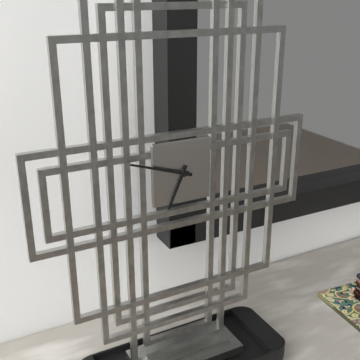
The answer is 6 h 48 min
